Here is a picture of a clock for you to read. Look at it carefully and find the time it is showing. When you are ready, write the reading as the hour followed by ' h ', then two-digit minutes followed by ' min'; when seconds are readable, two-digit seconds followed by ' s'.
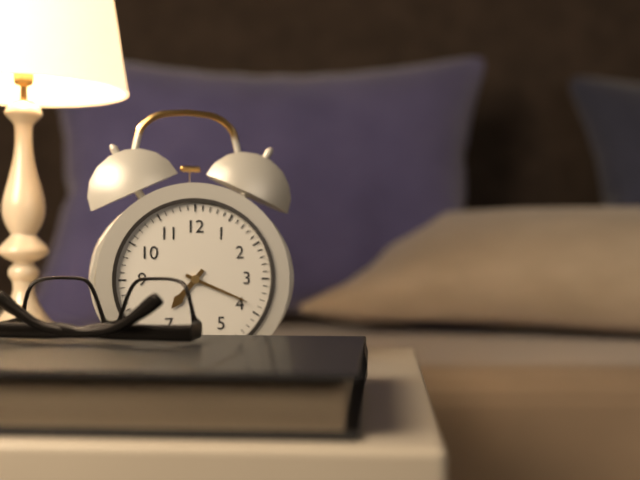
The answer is 7 h 19 min
